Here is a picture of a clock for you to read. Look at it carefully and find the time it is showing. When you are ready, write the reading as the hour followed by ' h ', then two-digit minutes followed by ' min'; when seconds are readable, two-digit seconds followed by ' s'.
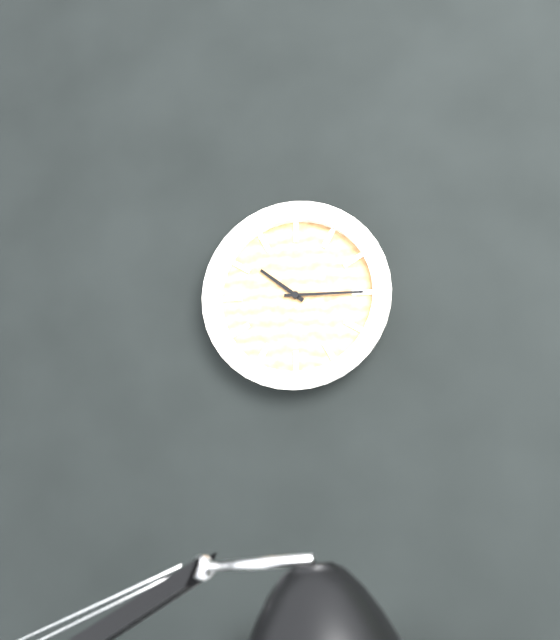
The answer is 10 h 15 min
